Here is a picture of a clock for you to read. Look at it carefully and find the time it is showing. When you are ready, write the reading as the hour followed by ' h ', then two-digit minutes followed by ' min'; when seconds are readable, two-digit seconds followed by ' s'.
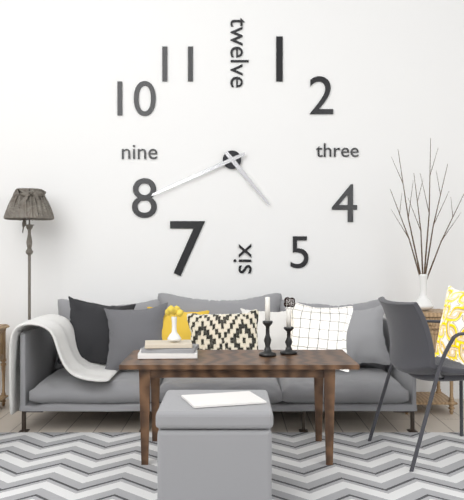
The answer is 4 h 41 min
